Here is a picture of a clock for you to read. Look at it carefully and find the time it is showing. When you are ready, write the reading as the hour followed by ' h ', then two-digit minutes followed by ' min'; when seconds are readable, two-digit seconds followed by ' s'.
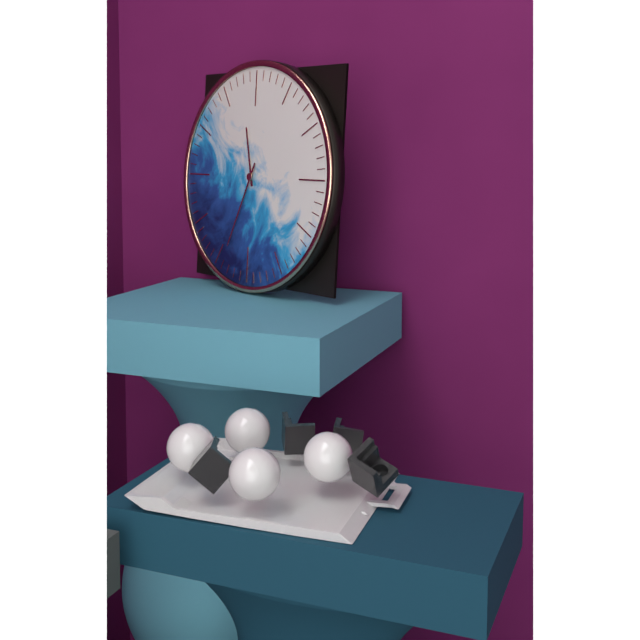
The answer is 11 h 34 min
